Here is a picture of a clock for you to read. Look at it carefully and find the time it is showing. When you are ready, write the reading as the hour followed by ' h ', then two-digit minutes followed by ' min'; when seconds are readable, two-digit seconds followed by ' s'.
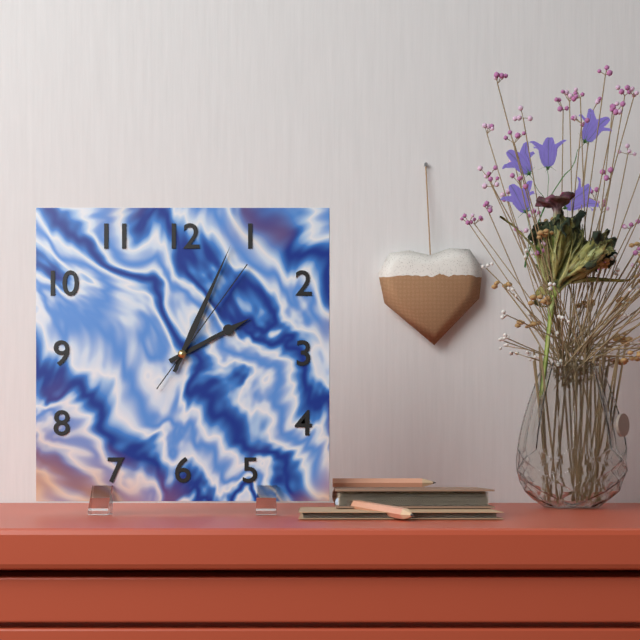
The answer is 2 h 04 min 06 s
